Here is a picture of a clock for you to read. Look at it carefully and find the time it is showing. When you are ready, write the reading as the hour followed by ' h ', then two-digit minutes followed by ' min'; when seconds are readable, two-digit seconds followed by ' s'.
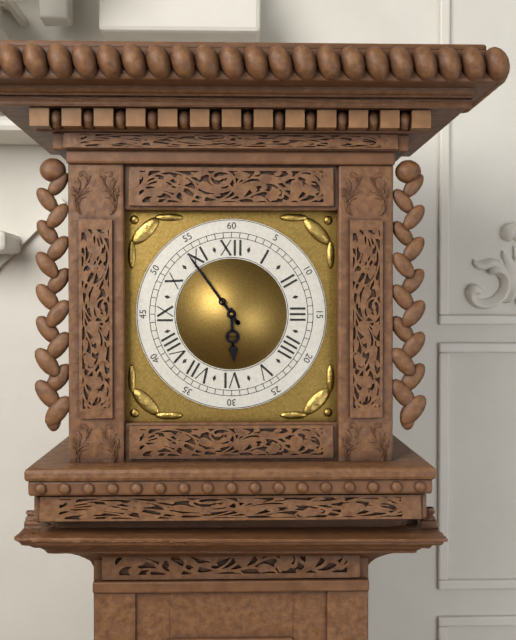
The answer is 5 h 54 min
